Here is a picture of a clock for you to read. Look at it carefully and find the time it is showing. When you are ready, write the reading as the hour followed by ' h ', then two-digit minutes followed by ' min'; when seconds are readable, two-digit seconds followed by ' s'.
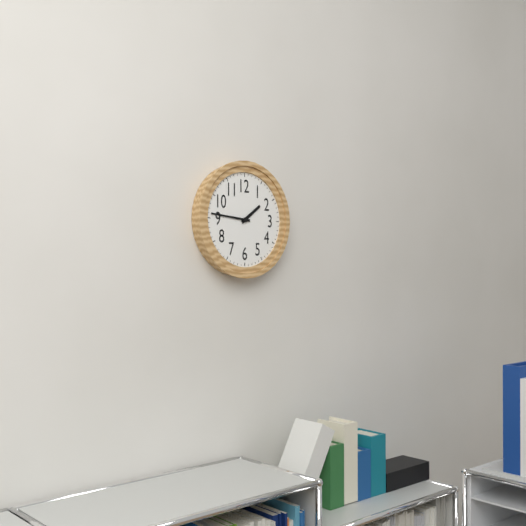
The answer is 1 h 46 min
